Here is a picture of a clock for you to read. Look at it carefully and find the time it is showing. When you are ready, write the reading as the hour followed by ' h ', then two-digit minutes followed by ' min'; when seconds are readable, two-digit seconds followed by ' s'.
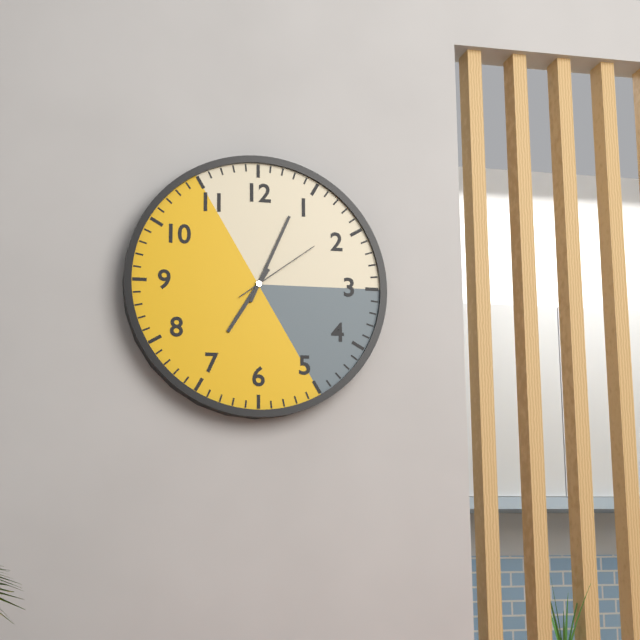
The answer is 7 h 04 min 09 s
